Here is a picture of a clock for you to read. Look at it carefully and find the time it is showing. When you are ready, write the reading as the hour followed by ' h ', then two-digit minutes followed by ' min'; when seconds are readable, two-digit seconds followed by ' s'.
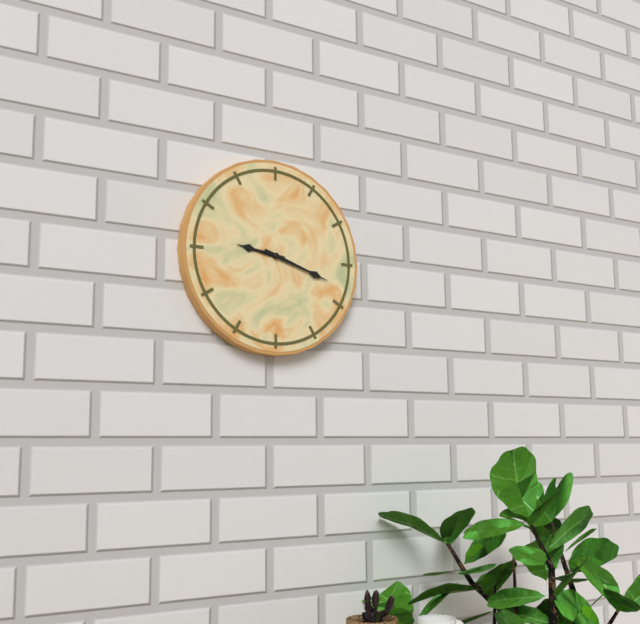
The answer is 9 h 18 min
